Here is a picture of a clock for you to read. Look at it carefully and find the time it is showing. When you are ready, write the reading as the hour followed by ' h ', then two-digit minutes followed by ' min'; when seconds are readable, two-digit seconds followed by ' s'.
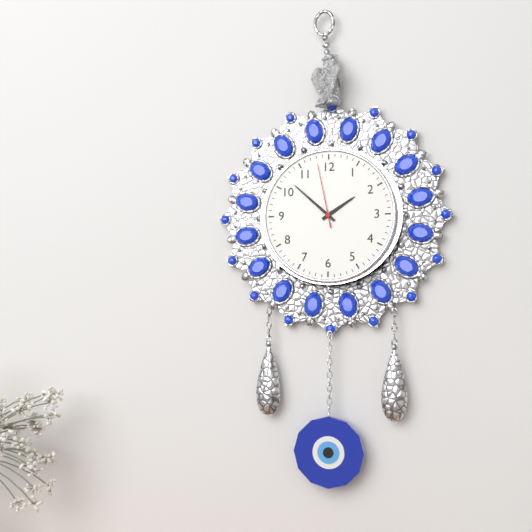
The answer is 1 h 52 min 58 s
